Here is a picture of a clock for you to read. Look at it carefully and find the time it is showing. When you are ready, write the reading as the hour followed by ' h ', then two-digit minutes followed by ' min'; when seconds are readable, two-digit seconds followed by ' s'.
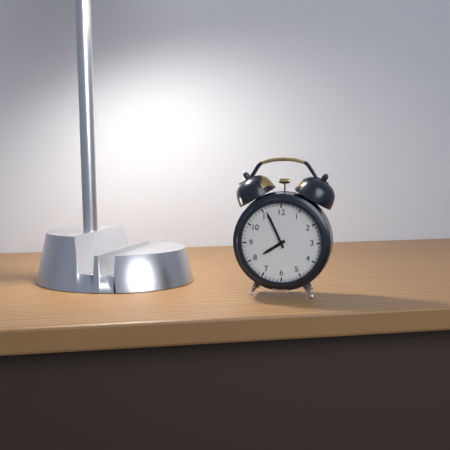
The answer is 7 h 56 min
